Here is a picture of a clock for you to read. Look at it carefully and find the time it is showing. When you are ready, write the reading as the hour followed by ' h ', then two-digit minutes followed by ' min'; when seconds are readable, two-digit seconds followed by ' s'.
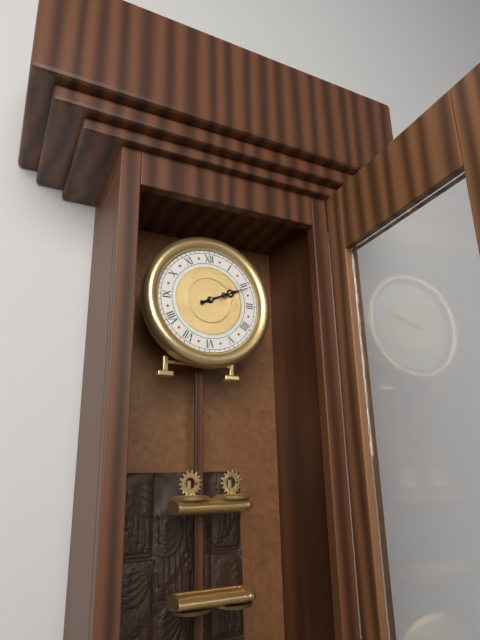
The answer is 2 h 11 min
